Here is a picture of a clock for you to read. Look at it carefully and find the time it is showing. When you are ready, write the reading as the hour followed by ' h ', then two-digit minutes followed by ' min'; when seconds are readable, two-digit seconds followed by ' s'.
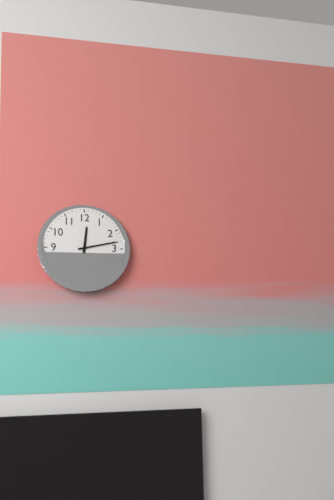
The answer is 12 h 13 min
